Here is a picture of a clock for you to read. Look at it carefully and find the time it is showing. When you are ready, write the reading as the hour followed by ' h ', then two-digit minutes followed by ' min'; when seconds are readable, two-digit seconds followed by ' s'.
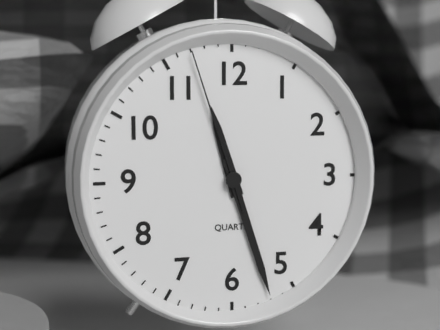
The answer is 11 h 27 min 57 s
